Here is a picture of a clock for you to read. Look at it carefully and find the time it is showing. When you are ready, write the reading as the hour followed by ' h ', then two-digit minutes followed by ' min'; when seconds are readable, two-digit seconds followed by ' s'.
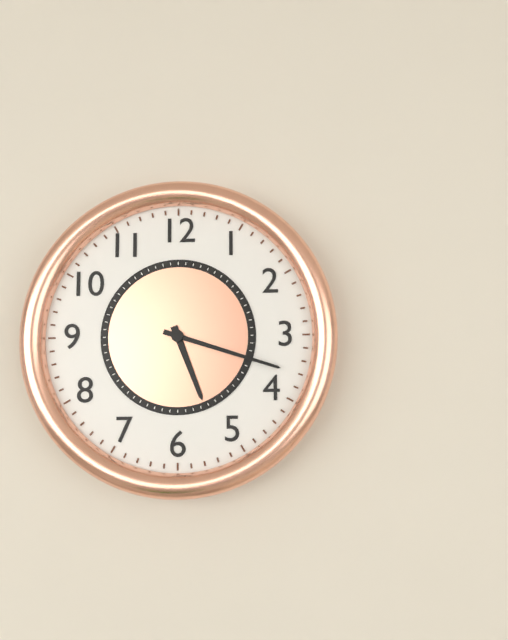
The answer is 5 h 18 min
